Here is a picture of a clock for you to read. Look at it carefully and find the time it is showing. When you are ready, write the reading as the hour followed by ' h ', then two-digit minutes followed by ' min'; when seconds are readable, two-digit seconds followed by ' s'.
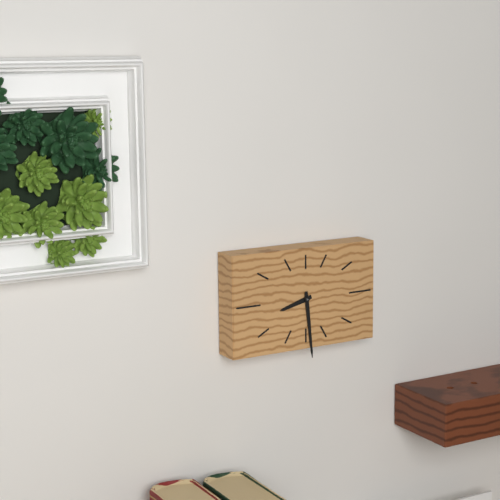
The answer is 8 h 29 min
